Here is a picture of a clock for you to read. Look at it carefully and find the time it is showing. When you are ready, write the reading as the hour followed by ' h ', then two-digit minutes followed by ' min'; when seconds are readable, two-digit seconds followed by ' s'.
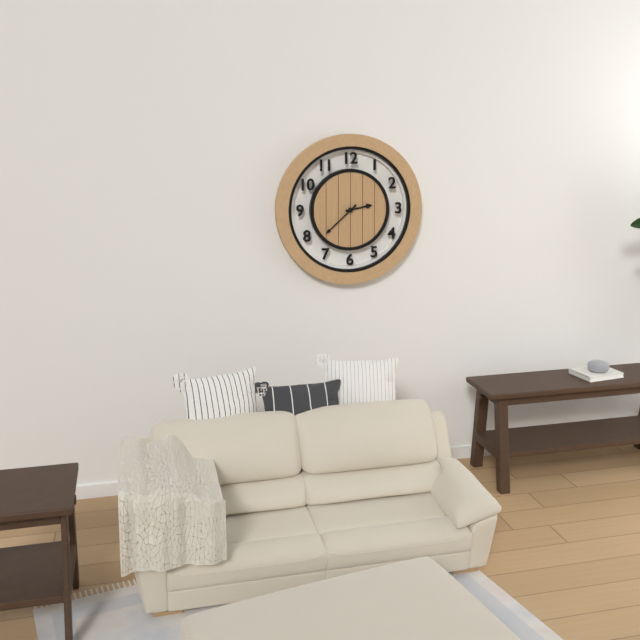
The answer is 2 h 38 min
